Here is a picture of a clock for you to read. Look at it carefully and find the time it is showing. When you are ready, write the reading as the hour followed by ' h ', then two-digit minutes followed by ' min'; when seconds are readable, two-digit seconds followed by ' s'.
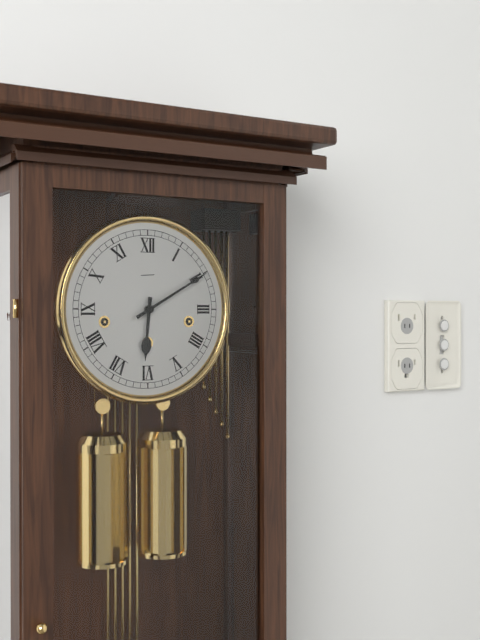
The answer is 6 h 10 min
